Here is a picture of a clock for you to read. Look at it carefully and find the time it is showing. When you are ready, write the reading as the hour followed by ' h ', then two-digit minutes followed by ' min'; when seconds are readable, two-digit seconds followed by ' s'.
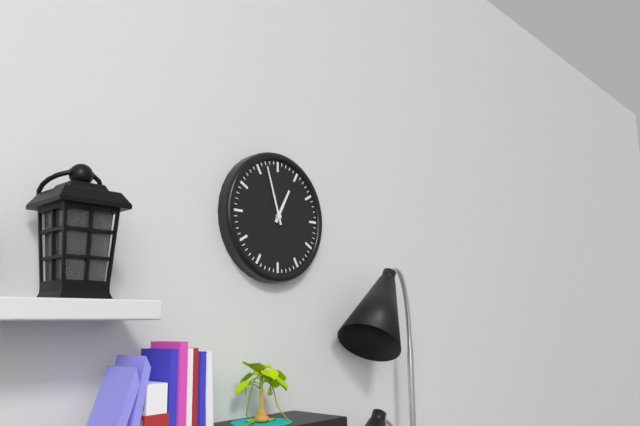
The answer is 12 h 57 min
